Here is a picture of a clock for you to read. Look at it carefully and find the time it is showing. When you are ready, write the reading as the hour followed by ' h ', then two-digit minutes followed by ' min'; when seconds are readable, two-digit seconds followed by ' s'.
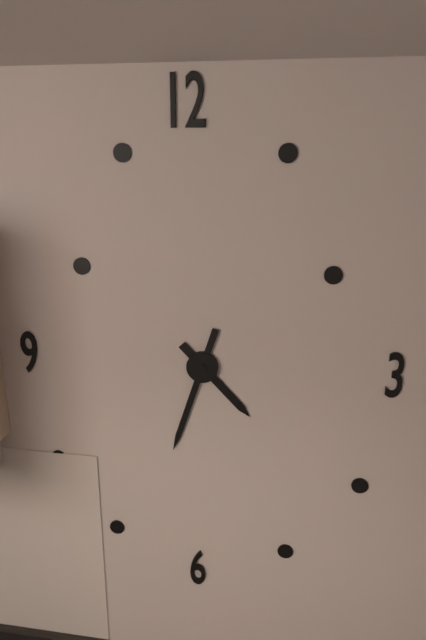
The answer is 4 h 33 min
